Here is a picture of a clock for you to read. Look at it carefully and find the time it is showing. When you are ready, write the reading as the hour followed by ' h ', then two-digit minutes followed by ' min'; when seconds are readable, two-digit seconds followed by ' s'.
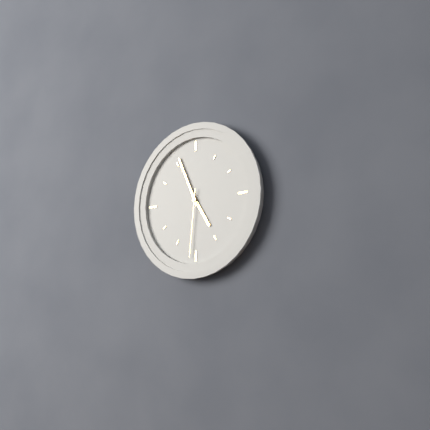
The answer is 4 h 56 min 31 s
